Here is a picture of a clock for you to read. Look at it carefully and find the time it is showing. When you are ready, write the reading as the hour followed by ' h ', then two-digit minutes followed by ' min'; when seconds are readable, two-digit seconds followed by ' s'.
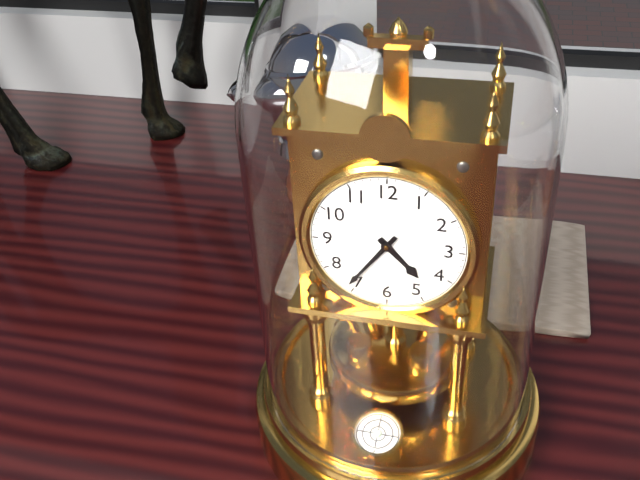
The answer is 4 h 36 min
